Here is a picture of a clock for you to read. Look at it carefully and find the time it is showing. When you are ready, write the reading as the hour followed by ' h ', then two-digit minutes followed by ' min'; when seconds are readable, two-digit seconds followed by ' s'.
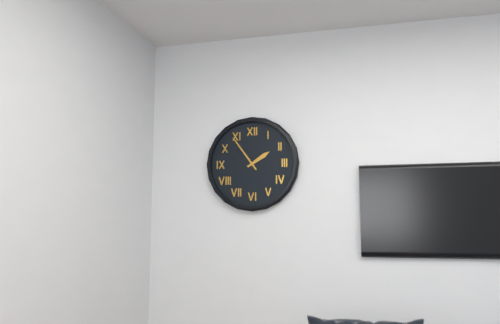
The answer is 1 h 54 min
